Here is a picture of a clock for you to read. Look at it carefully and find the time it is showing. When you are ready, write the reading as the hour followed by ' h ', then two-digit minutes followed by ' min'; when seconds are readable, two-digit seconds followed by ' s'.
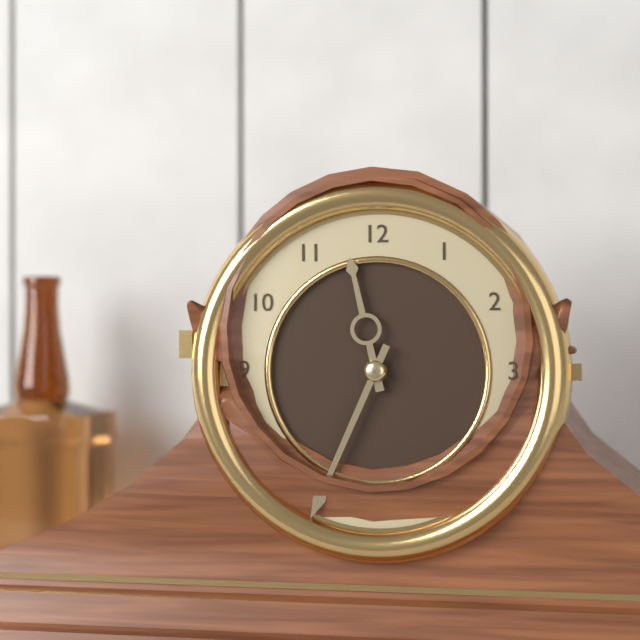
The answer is 11 h 34 min
